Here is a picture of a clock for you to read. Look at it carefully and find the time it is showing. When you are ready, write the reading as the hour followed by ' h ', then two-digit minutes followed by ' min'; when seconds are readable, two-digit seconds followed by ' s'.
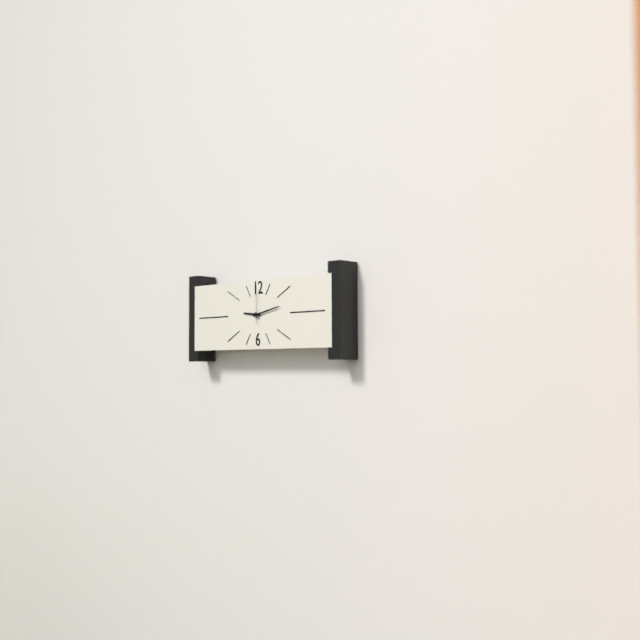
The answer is 9 h 13 min
